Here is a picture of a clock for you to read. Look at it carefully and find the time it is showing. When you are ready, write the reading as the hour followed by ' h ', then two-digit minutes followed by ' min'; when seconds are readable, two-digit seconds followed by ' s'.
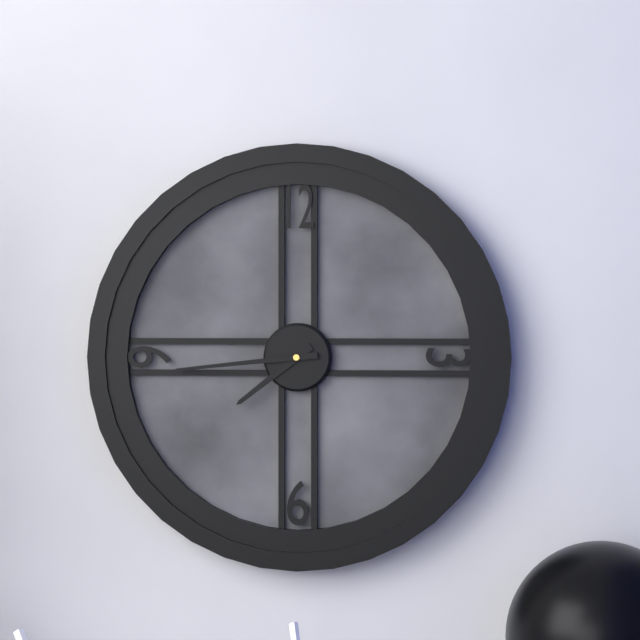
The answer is 7 h 44 min
